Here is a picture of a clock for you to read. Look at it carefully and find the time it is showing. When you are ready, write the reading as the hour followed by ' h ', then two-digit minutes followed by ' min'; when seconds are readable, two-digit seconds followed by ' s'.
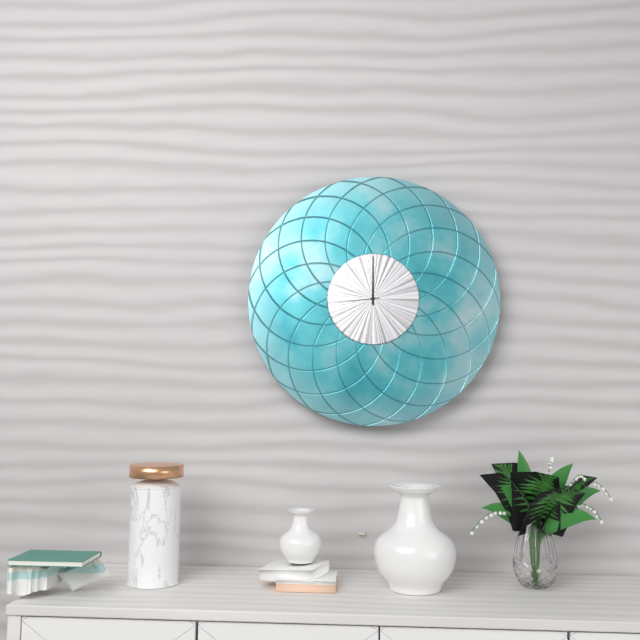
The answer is 12 h 00 min
